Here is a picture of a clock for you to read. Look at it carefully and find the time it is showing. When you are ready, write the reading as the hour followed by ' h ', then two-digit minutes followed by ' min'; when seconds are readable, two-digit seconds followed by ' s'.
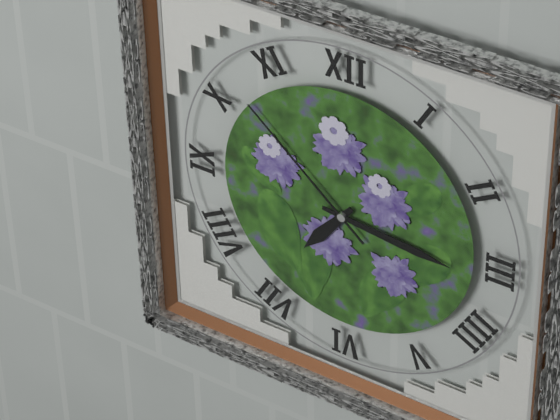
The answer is 7 h 16 min 52 s
